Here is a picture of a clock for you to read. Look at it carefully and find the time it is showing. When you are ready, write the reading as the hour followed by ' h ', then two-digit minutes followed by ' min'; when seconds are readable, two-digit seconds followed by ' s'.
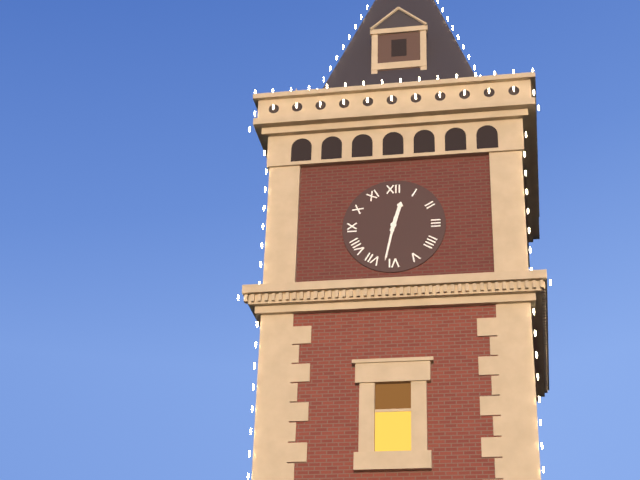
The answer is 12 h 32 min
